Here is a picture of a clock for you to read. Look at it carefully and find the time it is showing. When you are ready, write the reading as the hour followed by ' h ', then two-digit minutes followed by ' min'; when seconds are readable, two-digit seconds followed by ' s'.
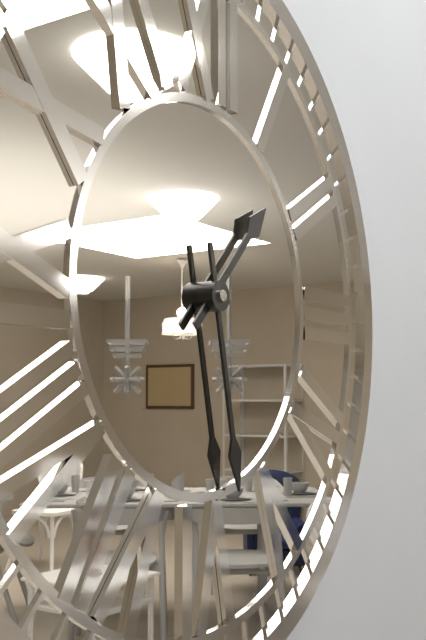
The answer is 1 h 28 min
